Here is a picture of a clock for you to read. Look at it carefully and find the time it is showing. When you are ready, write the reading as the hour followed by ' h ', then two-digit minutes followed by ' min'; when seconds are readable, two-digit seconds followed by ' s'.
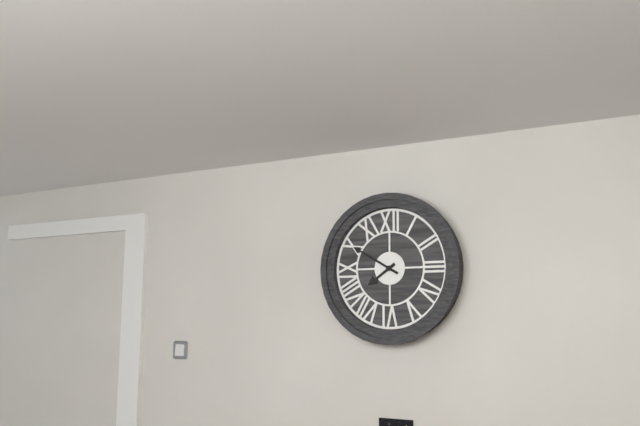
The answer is 7 h 50 min
